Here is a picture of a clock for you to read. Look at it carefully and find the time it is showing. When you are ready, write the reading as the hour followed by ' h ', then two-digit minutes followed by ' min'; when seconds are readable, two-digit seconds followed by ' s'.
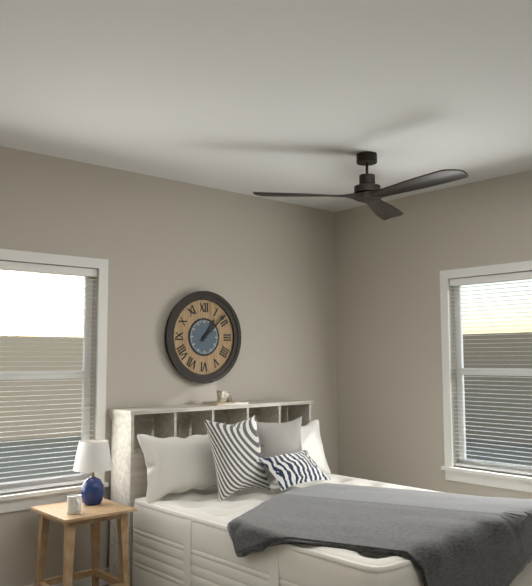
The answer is 1 h 08 min
